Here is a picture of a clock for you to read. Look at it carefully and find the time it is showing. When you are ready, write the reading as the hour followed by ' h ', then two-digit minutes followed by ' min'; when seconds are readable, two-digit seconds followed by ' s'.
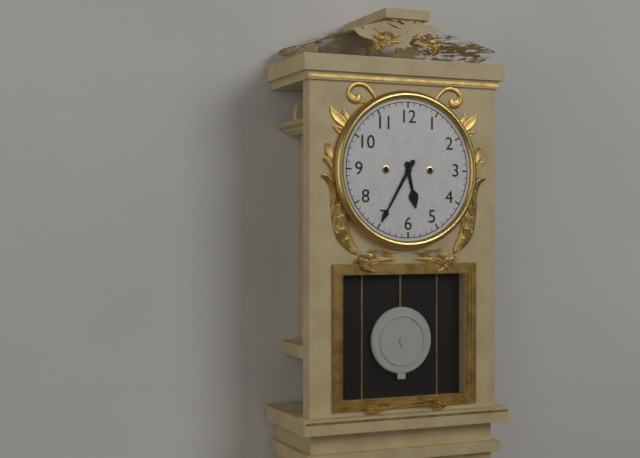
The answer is 5 h 35 min
